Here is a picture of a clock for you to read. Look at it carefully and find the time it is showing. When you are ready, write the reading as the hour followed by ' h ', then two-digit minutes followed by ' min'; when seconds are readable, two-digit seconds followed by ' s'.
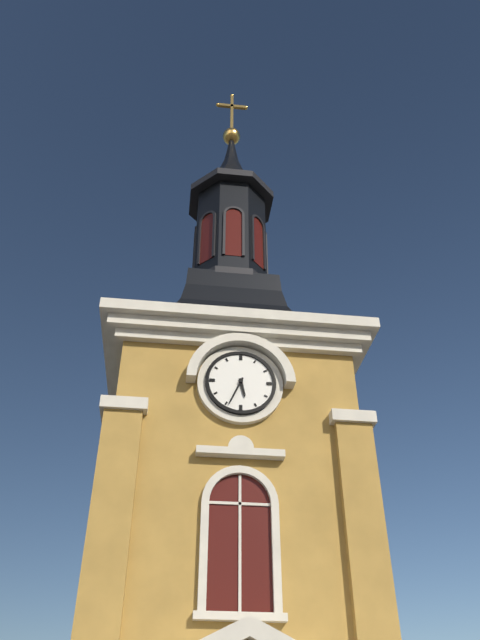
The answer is 5 h 34 min
